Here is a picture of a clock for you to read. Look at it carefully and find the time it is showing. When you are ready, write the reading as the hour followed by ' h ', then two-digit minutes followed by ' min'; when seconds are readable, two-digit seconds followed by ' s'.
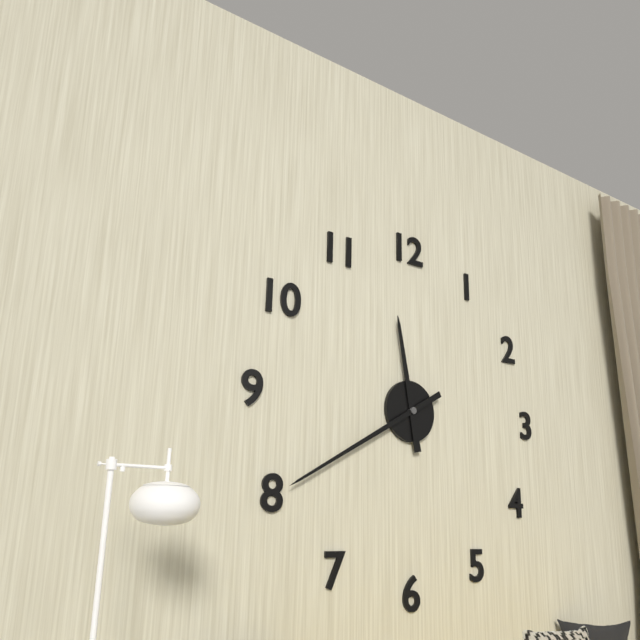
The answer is 11 h 40 min
